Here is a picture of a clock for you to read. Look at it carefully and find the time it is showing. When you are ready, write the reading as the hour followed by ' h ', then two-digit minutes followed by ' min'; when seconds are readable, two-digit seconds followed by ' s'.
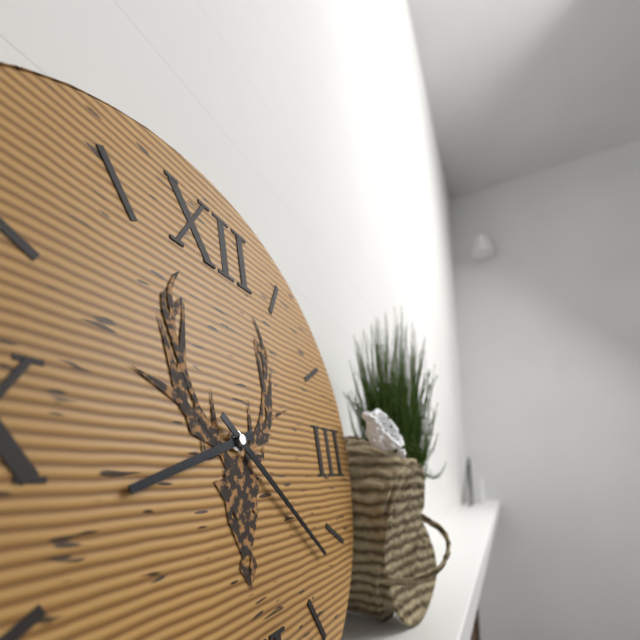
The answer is 8 h 22 min
